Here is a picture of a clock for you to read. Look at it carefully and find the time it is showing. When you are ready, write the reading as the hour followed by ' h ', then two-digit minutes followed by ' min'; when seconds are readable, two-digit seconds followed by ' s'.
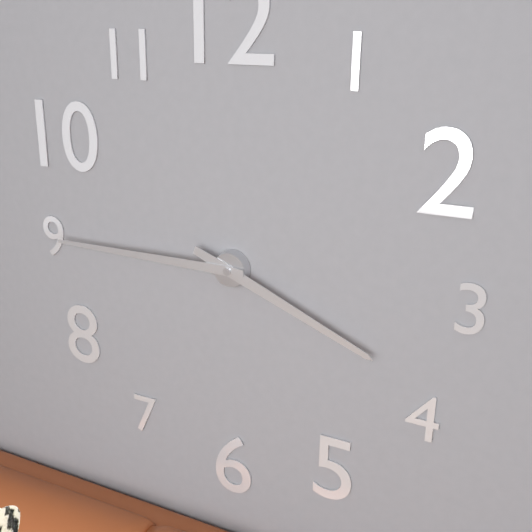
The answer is 3 h 45 min
